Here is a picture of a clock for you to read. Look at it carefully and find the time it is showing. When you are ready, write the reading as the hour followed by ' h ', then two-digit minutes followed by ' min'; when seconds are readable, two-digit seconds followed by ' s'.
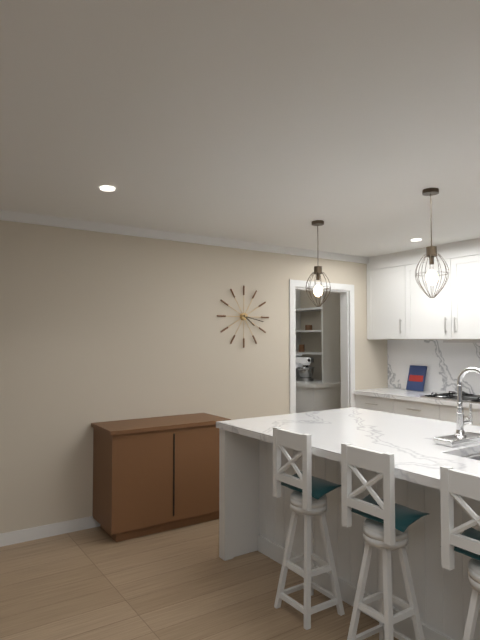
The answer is 4 h 17 min
